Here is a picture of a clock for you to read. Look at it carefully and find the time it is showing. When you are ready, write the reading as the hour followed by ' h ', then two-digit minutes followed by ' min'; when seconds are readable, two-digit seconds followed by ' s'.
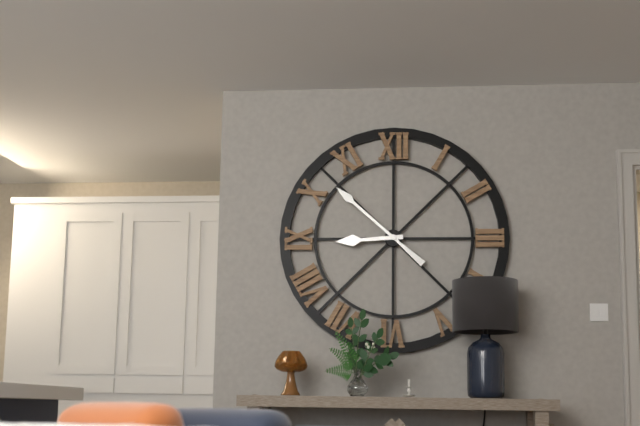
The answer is 8 h 52 min
